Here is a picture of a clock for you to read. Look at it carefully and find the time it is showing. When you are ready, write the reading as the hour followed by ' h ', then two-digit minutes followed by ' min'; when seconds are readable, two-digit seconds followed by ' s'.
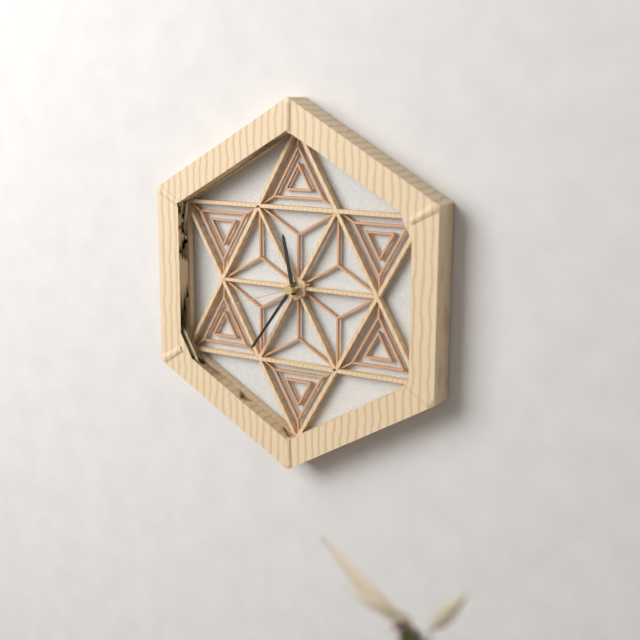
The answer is 11 h 36 min 42 s
